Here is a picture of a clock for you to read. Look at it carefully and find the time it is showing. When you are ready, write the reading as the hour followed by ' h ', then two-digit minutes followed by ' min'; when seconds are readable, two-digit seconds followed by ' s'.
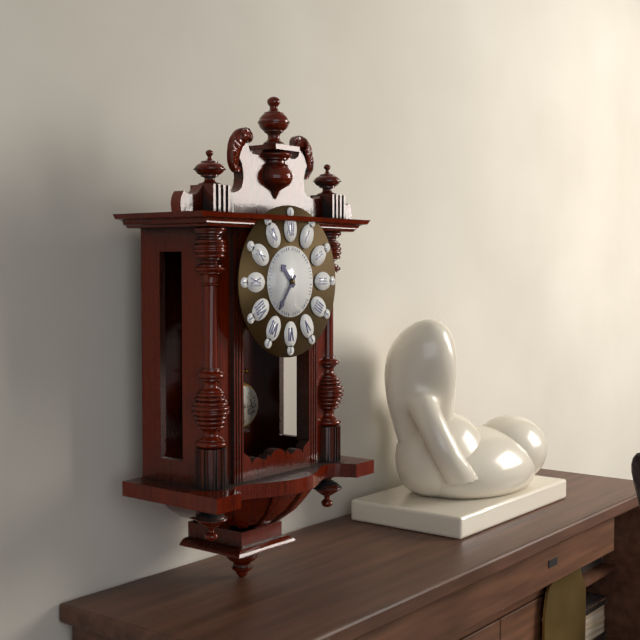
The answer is 10 h 36 min
